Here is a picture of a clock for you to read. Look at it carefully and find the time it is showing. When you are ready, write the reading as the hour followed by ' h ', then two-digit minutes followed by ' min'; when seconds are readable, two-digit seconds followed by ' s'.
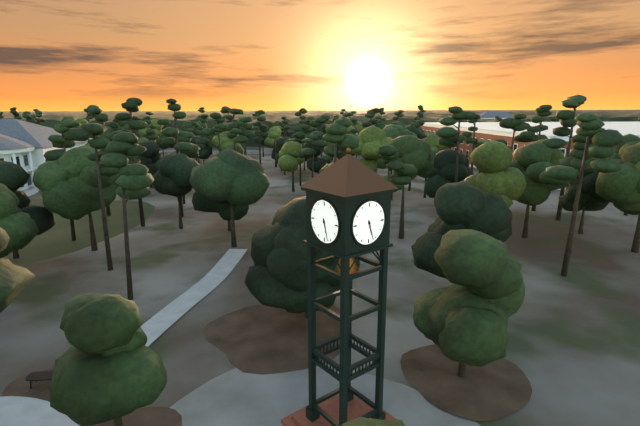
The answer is 5 h 27 min
